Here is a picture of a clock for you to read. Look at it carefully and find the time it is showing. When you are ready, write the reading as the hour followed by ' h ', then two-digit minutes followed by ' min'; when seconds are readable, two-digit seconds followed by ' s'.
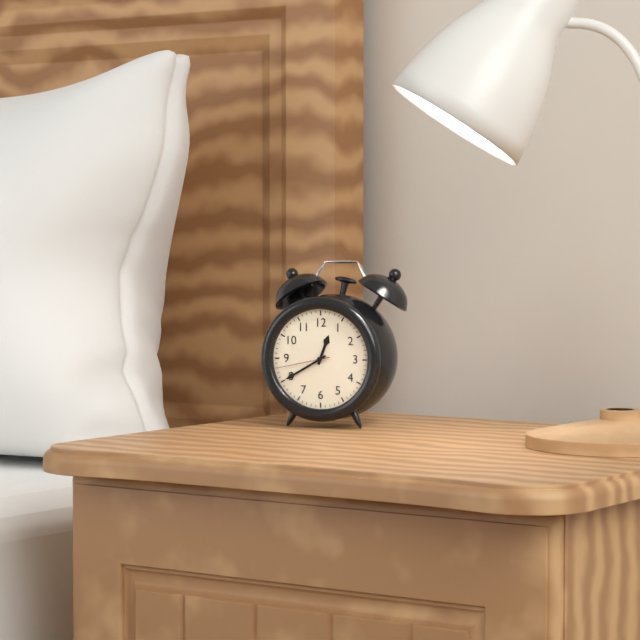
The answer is 12 h 40 min 43 s
